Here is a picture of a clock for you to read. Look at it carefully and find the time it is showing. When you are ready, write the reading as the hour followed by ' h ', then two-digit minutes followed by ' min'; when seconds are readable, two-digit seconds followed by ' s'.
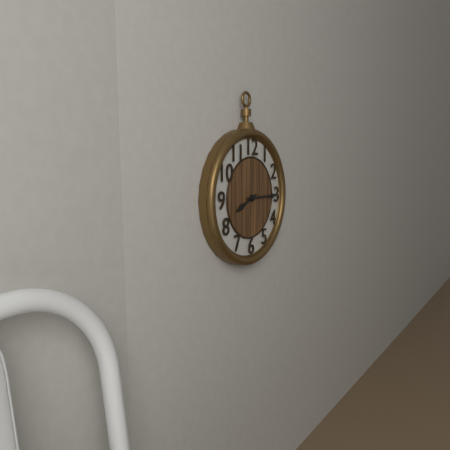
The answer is 8 h 15 min
